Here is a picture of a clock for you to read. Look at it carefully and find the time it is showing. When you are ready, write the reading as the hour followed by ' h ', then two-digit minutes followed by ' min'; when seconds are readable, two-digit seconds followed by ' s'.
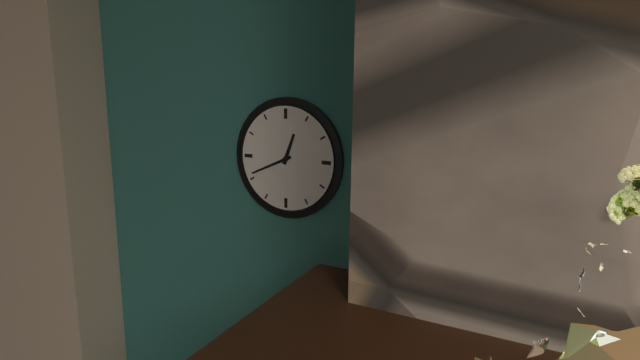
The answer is 12 h 41 min
